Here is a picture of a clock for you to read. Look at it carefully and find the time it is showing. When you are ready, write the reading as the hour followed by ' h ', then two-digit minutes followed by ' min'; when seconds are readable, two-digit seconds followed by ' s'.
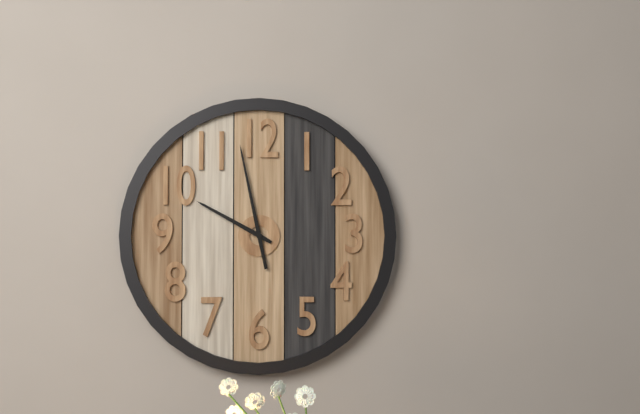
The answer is 9 h 58 min
